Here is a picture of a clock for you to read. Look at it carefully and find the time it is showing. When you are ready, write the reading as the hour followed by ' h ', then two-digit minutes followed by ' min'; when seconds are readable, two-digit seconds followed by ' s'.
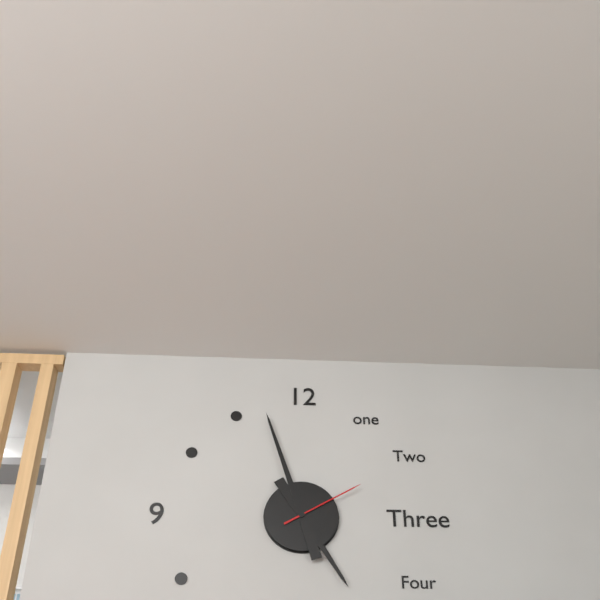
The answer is 4 h 57 min 10 s
